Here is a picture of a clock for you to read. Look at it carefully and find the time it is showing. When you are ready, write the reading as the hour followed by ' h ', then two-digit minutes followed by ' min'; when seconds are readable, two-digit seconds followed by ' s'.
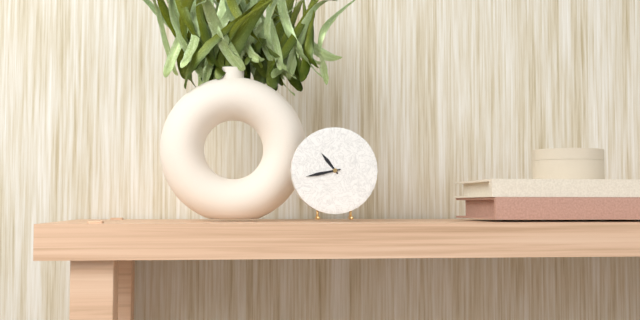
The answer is 10 h 43 min
